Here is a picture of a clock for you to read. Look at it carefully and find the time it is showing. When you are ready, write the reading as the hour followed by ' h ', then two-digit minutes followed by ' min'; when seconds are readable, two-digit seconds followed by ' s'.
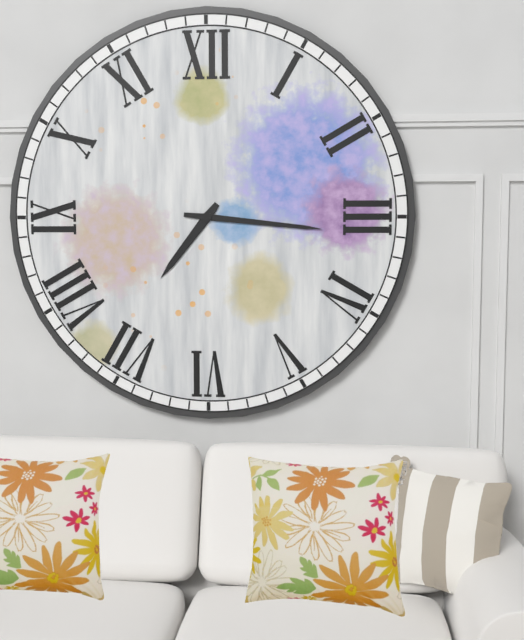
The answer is 7 h 16 min
